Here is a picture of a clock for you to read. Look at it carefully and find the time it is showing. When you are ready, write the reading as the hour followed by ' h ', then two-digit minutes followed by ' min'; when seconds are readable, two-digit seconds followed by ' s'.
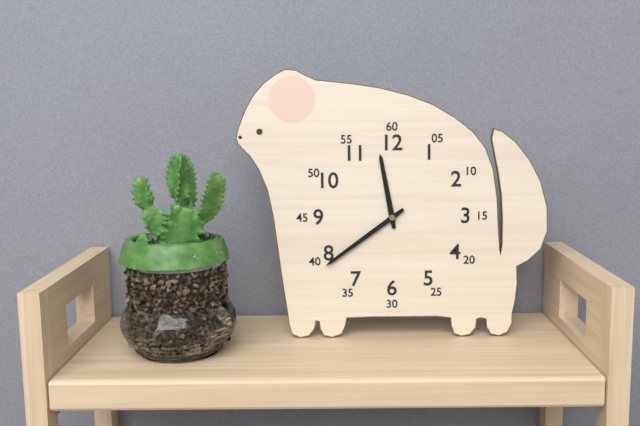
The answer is 11 h 39 min
